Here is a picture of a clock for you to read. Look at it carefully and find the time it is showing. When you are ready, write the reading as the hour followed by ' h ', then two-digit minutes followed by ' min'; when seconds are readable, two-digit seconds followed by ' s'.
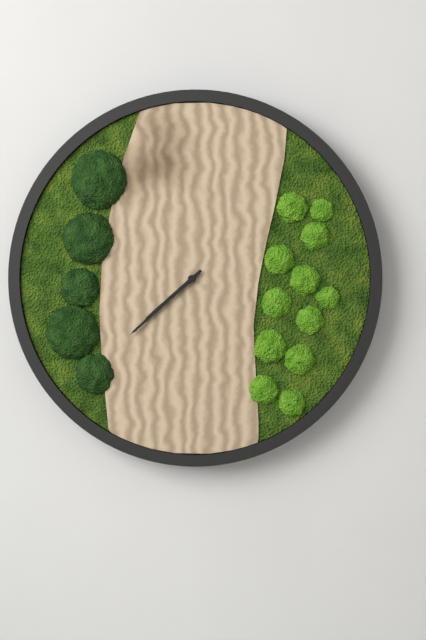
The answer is 7 h 38 min
